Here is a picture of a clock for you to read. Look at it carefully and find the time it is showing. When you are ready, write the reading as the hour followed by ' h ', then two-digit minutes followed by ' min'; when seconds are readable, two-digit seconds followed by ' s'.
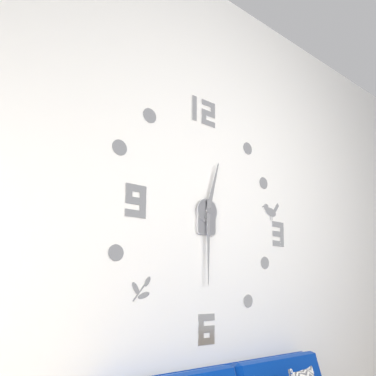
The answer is 12 h 30 min
